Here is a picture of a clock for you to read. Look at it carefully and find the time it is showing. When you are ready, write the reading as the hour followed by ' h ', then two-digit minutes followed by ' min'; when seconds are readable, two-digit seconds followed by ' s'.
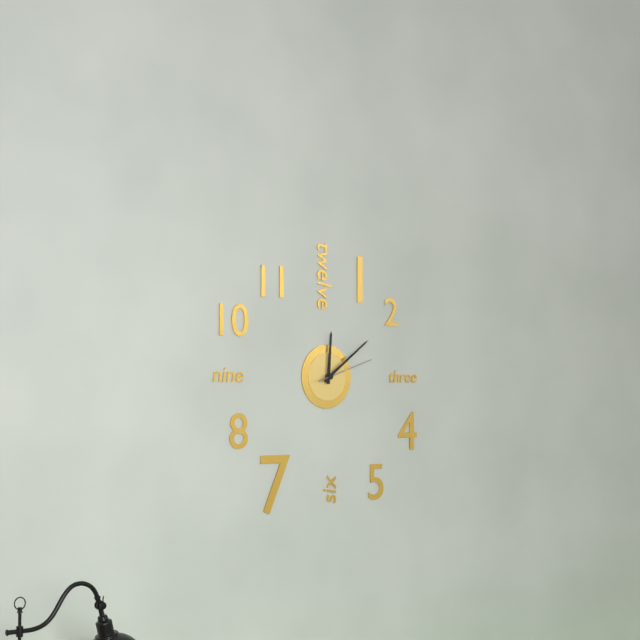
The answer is 12 h 09 min 12 s
